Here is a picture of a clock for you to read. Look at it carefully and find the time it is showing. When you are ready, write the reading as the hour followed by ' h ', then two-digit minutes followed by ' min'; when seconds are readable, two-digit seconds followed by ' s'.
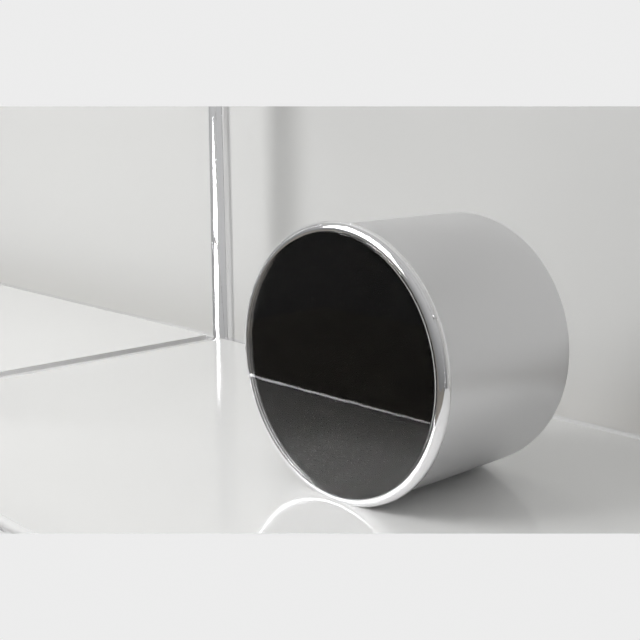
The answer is 12 h 13 min 25 s
